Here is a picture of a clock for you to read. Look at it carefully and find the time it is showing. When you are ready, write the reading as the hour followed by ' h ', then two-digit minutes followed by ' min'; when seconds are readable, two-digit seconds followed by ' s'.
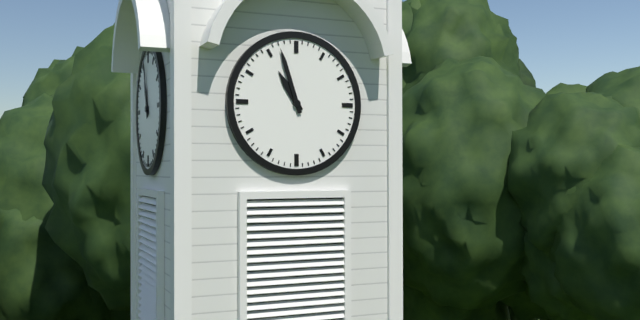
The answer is 10 h 57 min
